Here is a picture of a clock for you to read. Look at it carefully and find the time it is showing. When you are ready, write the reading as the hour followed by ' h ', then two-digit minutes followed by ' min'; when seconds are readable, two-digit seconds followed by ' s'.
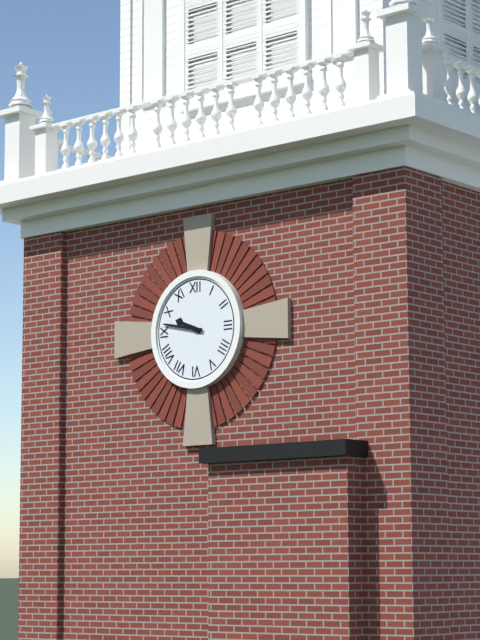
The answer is 9 h 47 min
